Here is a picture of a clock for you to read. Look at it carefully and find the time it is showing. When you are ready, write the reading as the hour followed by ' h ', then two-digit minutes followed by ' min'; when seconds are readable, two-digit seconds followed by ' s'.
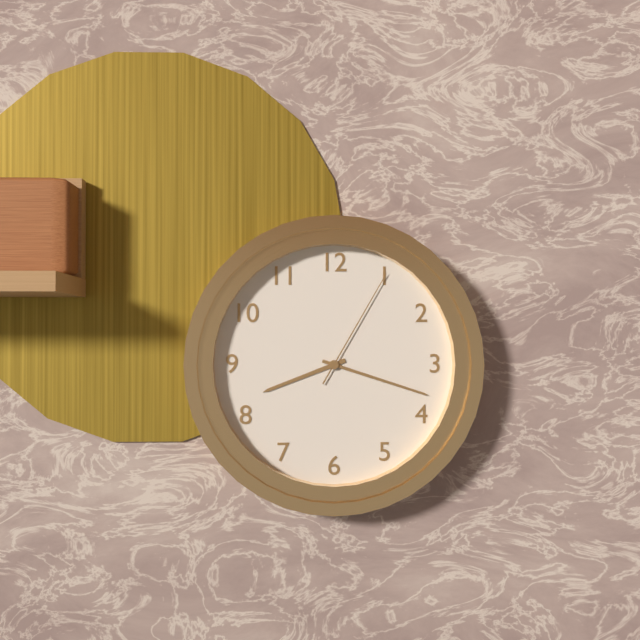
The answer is 8 h 18 min 05 s
